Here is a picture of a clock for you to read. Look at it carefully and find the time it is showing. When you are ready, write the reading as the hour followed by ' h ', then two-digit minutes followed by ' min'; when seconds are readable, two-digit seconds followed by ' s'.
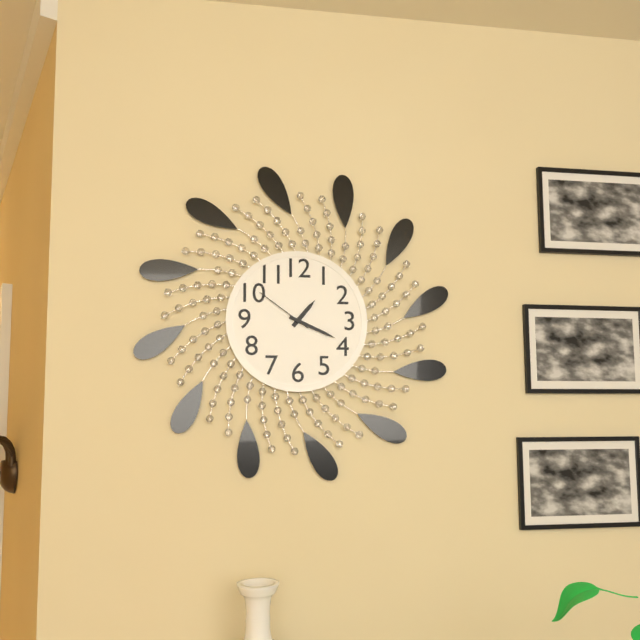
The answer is 1 h 19 min 51 s
